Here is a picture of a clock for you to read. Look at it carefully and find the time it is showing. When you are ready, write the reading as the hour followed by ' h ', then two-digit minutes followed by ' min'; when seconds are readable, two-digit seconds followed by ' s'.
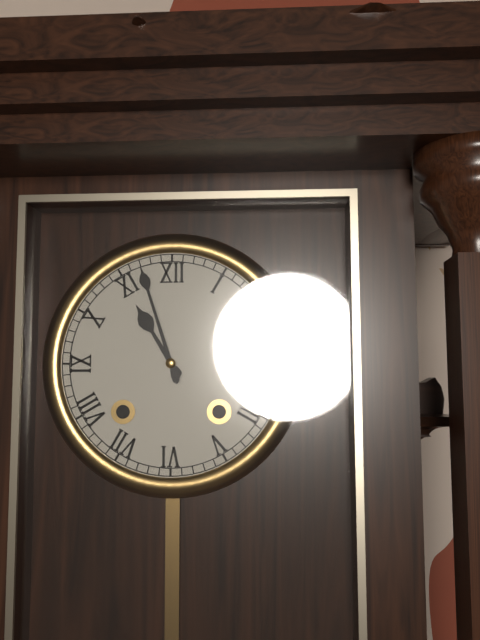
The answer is 10 h 57 min
